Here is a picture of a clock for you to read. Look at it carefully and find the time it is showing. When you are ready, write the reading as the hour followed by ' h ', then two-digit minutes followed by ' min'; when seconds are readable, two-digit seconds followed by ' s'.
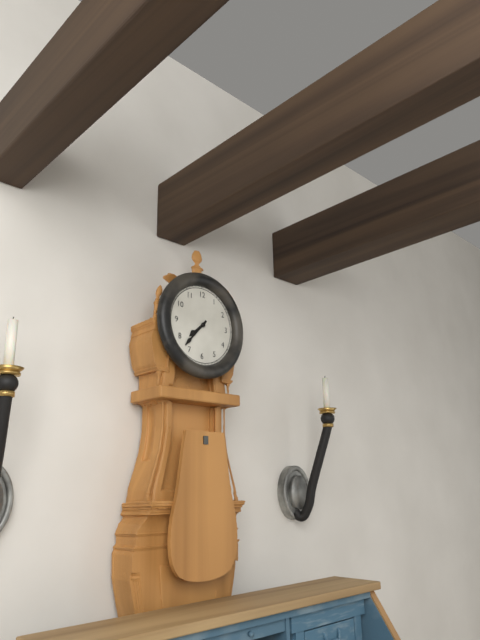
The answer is 7 h 37 min
